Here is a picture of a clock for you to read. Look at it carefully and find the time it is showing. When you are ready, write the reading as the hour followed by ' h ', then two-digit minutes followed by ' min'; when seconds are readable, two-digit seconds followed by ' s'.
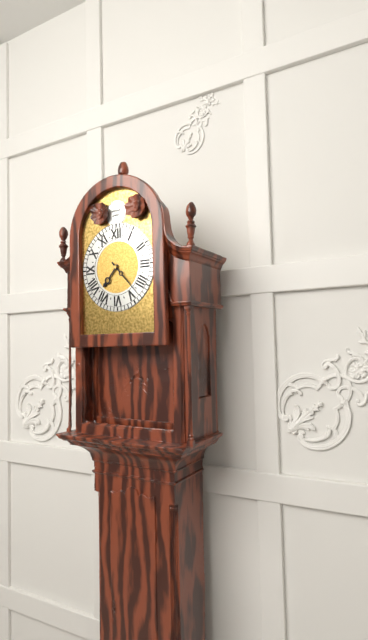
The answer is 7 h 23 min
